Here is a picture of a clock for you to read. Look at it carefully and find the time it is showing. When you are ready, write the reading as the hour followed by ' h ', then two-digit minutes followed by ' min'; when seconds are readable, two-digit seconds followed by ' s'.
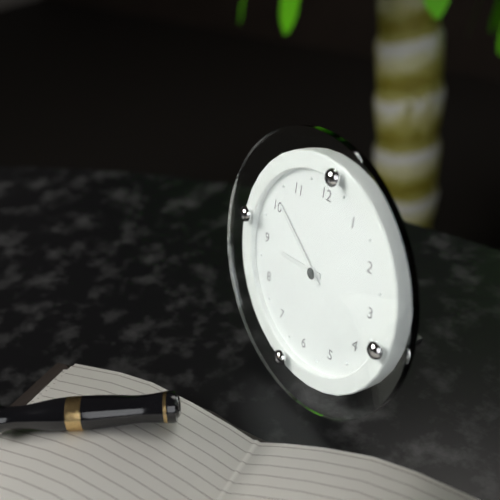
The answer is 8 h 51 min
